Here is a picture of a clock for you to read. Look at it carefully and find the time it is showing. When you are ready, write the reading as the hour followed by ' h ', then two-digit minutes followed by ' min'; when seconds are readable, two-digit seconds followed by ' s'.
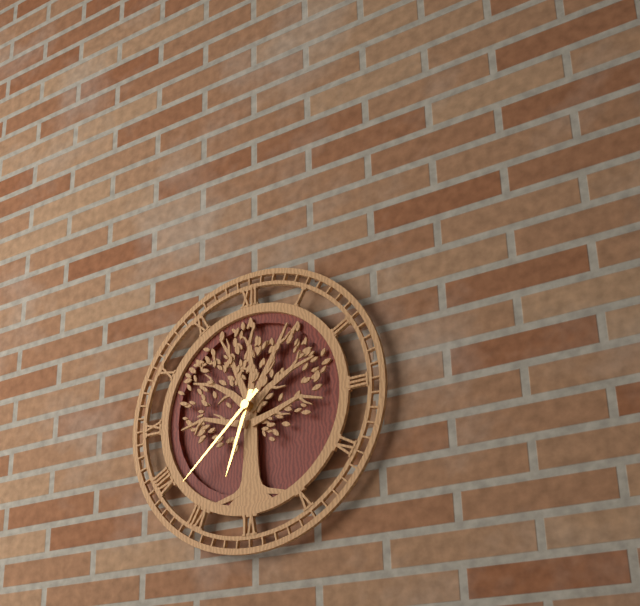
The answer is 6 h 38 min
